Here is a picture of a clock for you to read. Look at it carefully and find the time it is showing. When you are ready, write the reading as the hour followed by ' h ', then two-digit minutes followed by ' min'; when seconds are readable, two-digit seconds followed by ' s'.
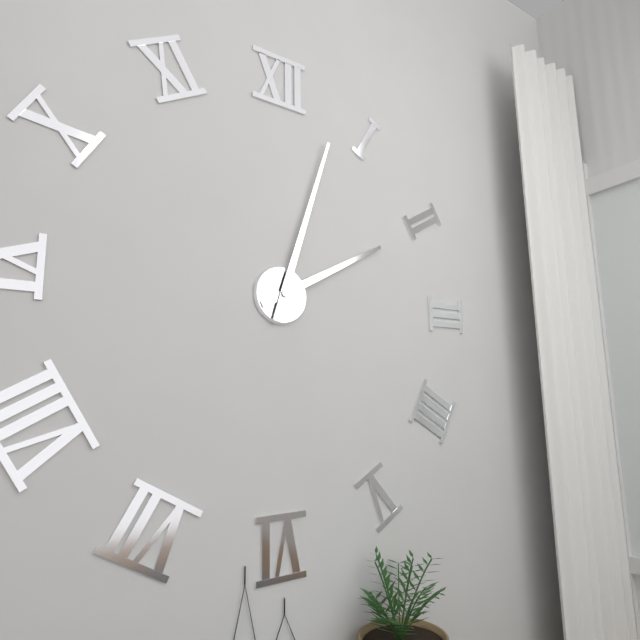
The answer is 2 h 03 min
